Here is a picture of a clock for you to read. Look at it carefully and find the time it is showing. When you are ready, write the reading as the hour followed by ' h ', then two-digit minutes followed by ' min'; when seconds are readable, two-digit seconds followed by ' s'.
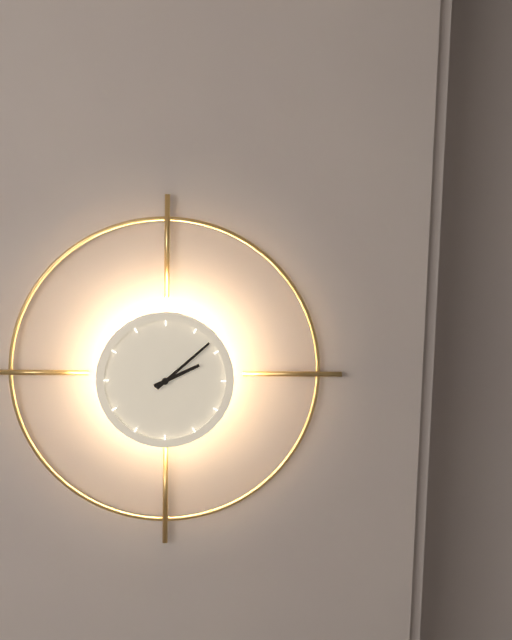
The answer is 2 h 08 min
